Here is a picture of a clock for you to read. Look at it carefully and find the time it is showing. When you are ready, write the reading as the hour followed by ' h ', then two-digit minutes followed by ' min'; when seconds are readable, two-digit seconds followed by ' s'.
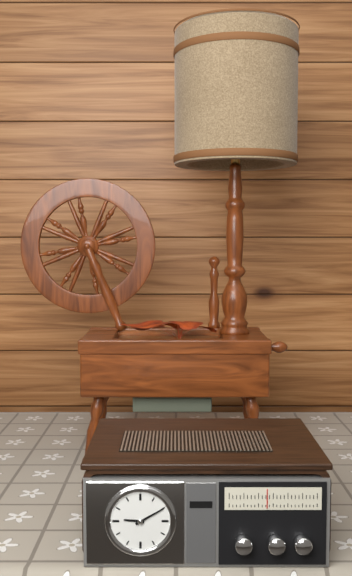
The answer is 9 h 10 min
